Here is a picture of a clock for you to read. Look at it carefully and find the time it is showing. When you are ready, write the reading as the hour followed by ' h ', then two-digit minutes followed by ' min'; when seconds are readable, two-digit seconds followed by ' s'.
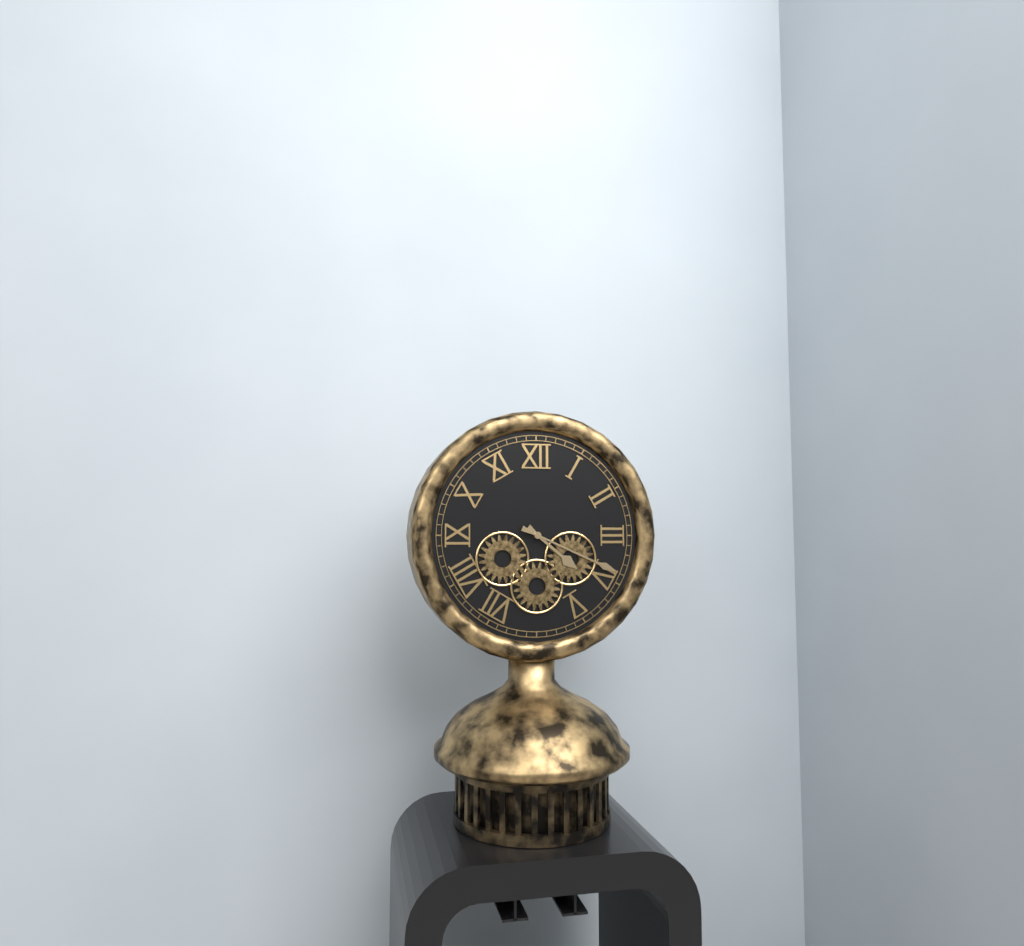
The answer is 4 h 19 min
